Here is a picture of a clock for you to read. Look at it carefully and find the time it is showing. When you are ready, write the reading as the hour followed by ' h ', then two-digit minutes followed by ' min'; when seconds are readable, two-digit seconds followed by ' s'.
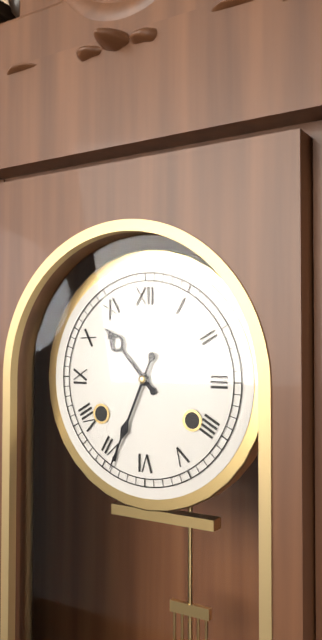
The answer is 10 h 34 min
